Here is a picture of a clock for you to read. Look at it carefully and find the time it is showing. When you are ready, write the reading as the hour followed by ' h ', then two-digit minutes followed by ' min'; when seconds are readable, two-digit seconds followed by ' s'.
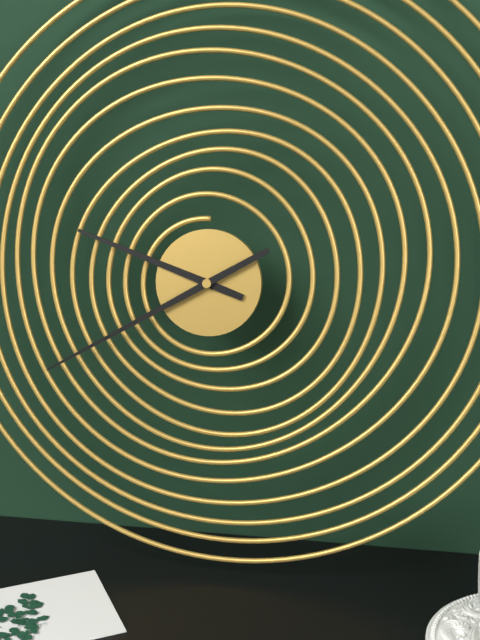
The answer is 9 h 40 min
